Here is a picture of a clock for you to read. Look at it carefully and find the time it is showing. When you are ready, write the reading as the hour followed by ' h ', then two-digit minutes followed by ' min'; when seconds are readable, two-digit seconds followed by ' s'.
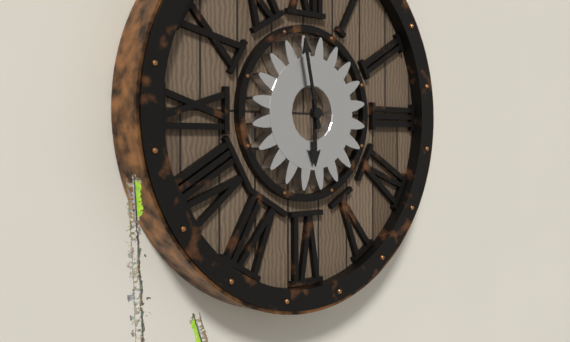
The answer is 5 h 58 min
